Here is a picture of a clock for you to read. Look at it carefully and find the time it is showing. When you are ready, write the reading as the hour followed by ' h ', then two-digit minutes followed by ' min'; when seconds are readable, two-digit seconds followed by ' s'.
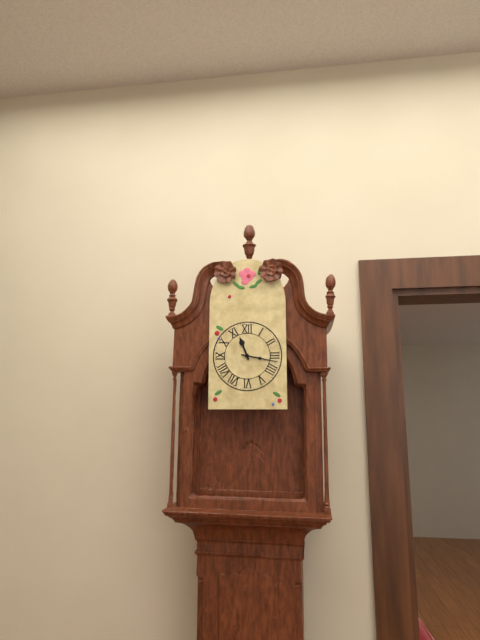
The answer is 11 h 17 min
